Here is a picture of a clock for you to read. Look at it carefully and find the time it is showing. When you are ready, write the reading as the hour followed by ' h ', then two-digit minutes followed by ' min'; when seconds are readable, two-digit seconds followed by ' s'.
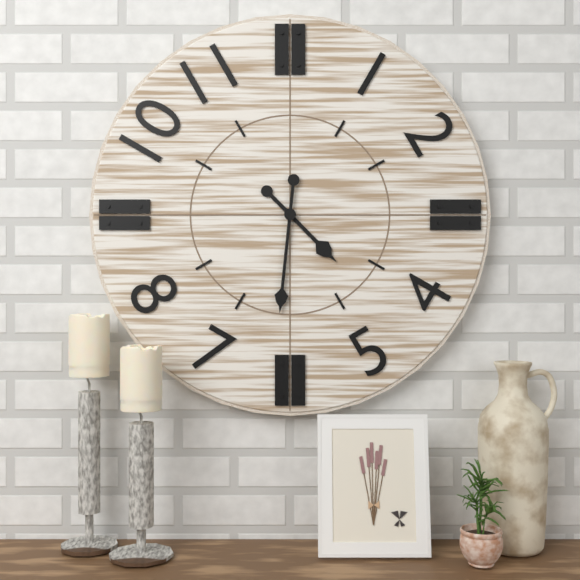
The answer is 4 h 31 min
